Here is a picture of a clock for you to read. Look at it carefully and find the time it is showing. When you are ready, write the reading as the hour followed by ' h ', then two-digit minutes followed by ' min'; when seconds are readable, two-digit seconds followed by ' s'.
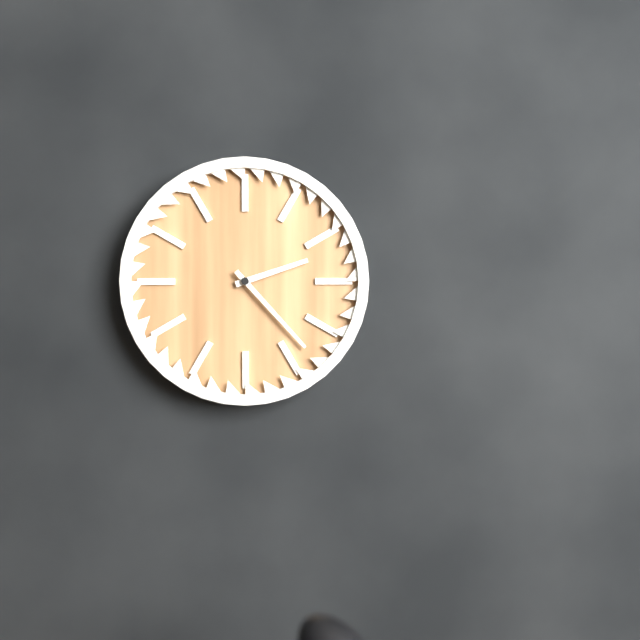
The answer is 2 h 23 min
